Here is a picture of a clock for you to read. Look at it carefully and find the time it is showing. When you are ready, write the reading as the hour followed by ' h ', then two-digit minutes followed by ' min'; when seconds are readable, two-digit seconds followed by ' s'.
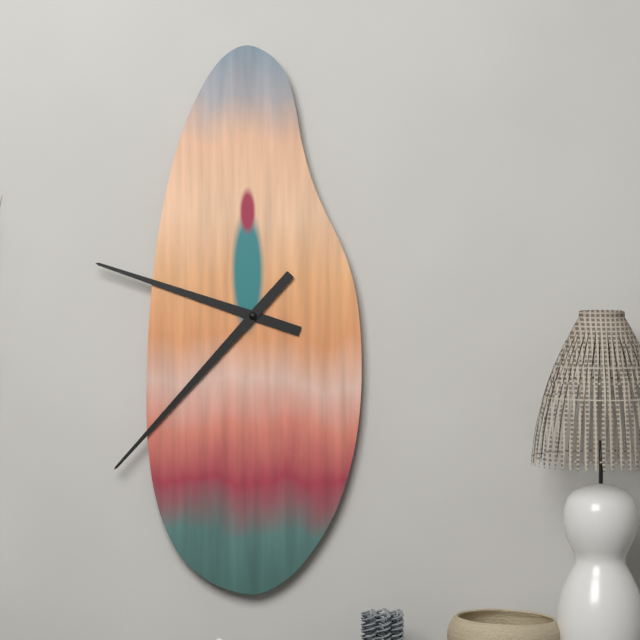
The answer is 9 h 37 min
